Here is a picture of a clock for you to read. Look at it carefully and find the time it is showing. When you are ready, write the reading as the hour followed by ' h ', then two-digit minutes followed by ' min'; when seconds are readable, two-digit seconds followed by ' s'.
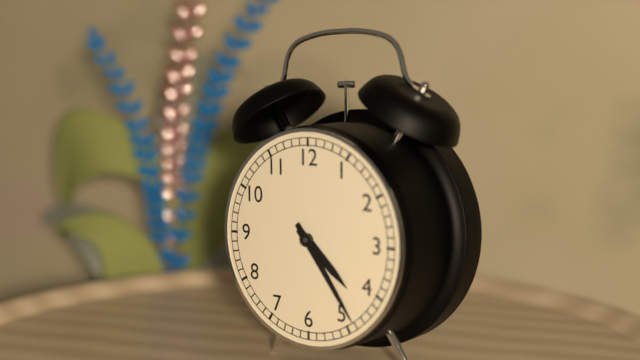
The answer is 4 h 24 min
